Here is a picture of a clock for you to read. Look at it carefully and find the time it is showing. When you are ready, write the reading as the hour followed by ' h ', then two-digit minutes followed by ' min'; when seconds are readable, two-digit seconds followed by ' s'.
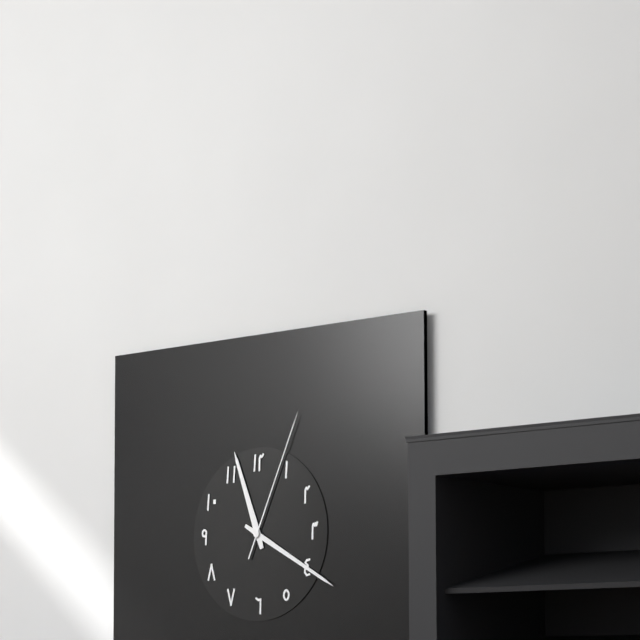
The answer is 11 h 20 min 04 s
